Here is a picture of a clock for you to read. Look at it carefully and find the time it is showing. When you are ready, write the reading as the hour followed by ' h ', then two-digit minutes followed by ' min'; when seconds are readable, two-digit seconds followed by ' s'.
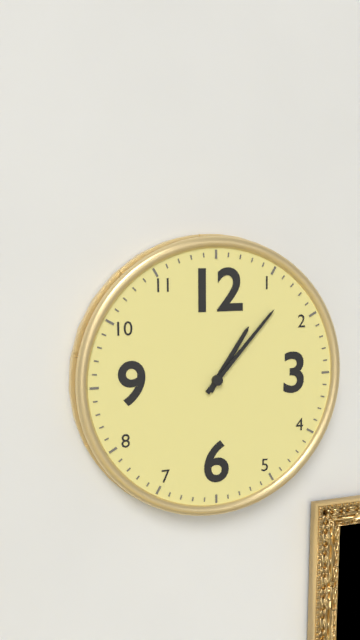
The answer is 1 h 07 min
